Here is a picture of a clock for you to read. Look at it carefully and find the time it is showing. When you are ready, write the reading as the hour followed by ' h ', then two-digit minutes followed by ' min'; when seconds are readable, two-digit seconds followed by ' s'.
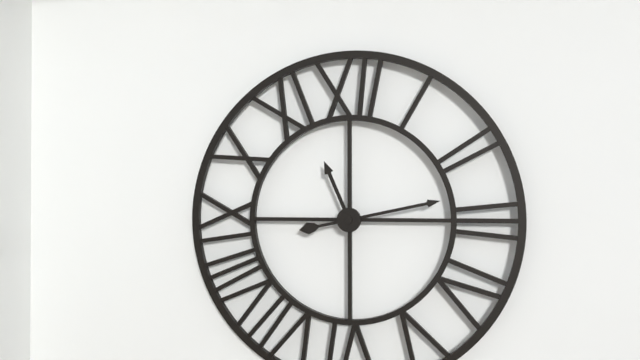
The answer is 11 h 13 min
